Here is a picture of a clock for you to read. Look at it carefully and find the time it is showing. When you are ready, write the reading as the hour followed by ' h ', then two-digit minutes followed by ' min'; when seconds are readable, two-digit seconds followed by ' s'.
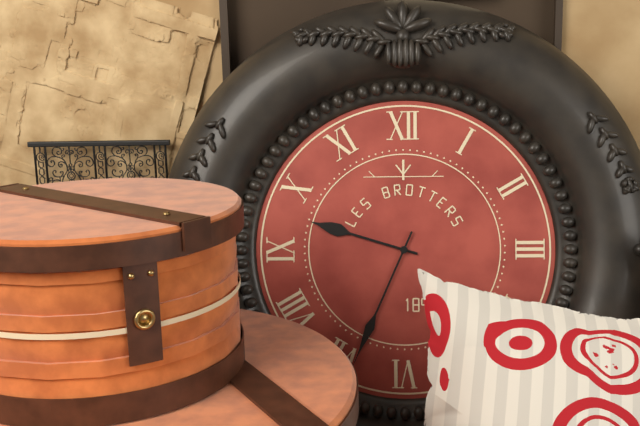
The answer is 9 h 34 min
